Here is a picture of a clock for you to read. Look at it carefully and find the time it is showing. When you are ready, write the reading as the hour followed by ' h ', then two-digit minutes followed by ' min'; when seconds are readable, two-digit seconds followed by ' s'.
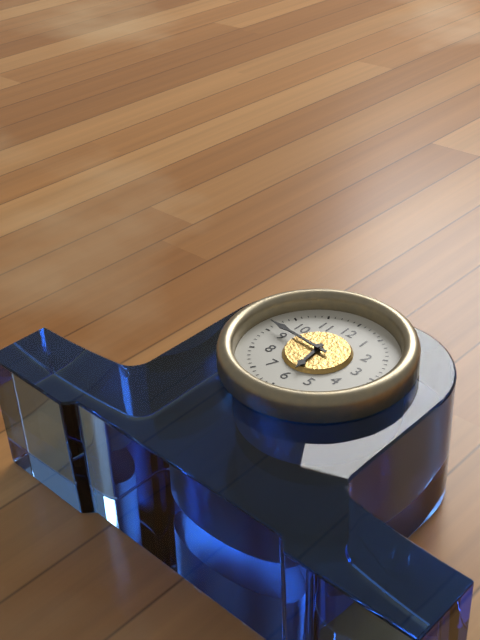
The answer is 5 h 46 min
